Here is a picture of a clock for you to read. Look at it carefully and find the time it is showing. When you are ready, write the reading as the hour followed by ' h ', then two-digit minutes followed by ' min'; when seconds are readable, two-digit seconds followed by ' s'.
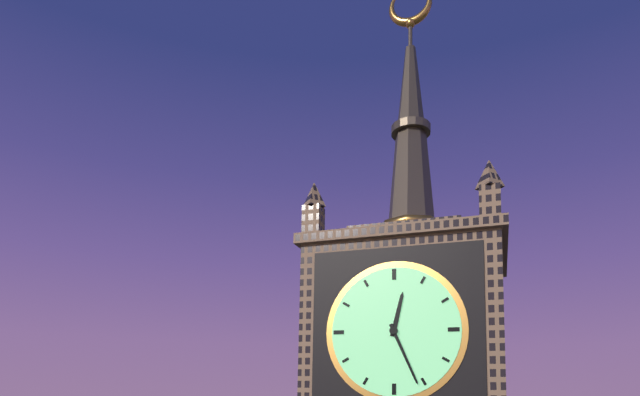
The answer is 12 h 26 min
